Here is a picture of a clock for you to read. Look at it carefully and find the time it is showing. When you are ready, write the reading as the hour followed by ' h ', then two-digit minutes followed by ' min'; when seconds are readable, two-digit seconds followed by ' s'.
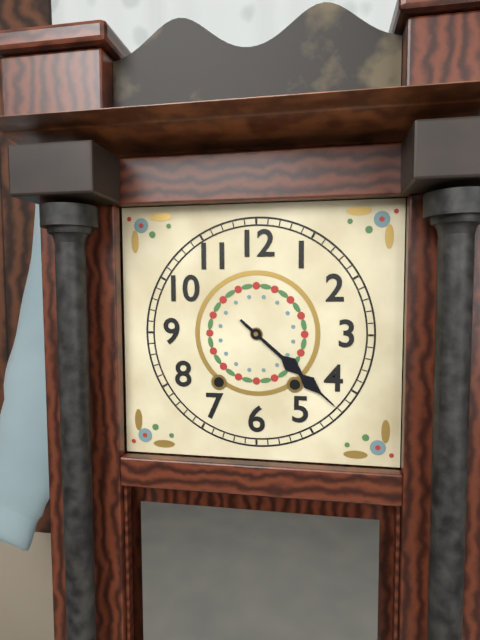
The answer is 4 h 22 min
